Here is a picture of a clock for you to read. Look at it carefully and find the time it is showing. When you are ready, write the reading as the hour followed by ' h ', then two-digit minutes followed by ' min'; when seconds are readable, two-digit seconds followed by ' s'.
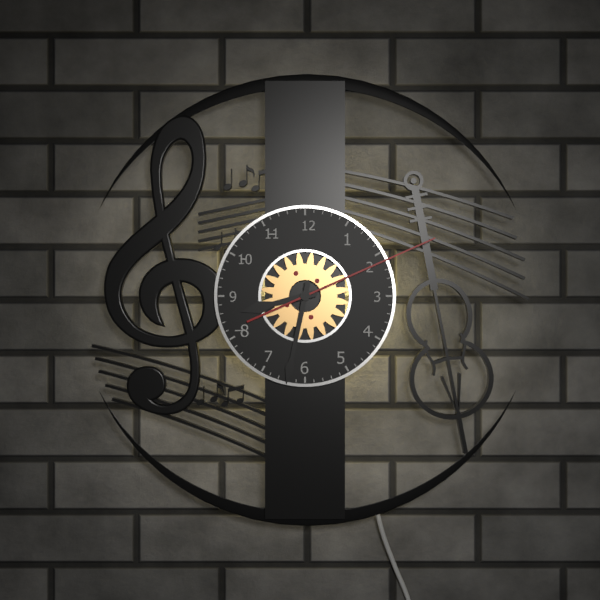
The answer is 8 h 32 min 11 s
